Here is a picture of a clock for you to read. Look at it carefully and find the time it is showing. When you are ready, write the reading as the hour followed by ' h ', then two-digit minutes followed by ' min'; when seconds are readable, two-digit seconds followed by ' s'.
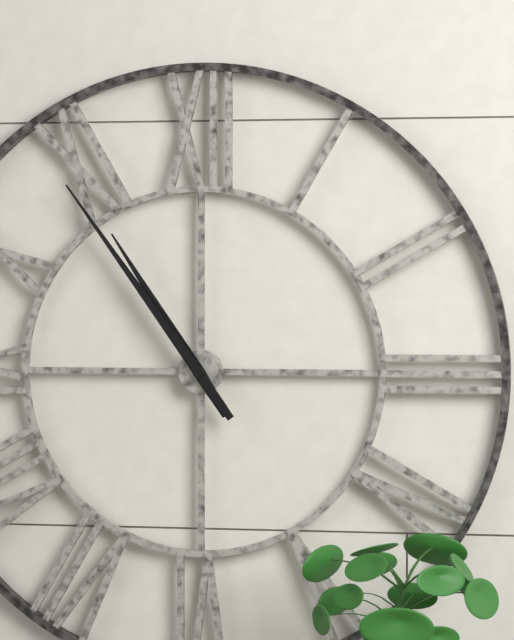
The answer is 10 h 54 min
